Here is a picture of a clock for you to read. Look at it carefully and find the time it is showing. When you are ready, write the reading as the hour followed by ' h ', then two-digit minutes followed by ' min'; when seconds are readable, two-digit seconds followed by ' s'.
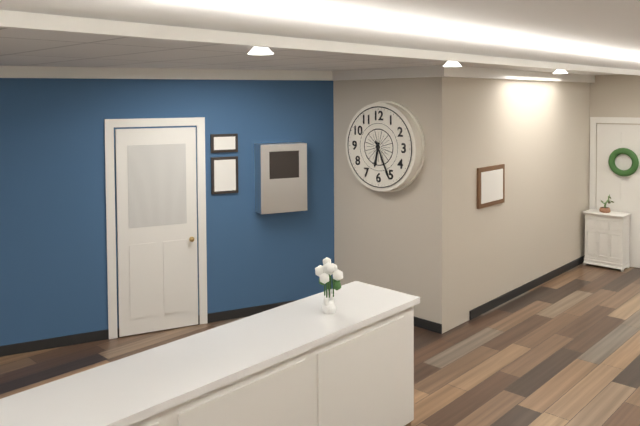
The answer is 6 h 26 min
